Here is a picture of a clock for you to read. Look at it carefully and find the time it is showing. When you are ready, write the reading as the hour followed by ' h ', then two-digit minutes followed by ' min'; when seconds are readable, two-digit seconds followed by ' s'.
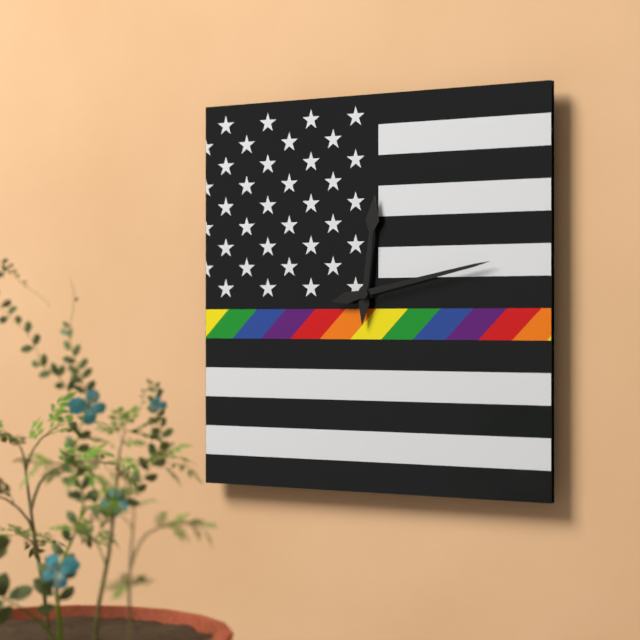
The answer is 12 h 13 min
